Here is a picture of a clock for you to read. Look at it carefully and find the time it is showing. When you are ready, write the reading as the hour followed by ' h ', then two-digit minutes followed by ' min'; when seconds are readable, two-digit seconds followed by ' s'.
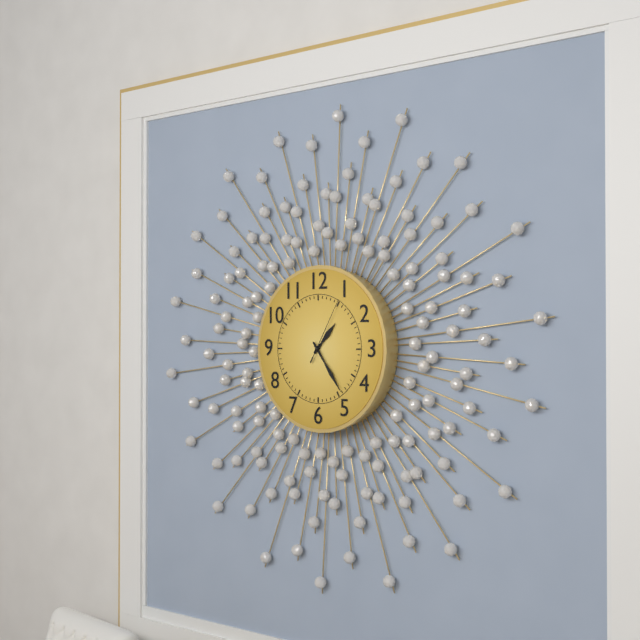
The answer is 1 h 24 min 05 s
